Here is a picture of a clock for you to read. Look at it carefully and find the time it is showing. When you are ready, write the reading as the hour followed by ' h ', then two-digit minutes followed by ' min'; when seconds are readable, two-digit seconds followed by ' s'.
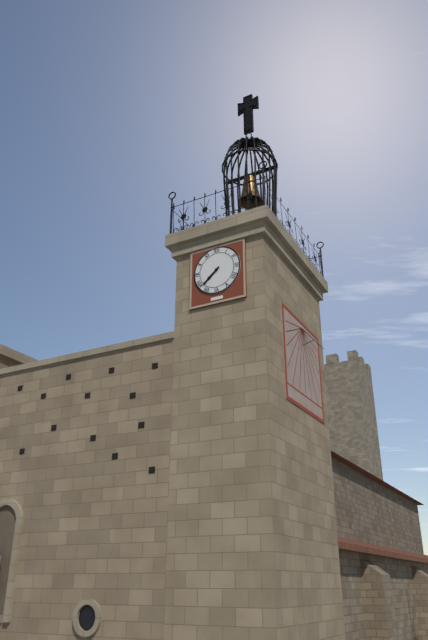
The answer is 7 h 38 min
